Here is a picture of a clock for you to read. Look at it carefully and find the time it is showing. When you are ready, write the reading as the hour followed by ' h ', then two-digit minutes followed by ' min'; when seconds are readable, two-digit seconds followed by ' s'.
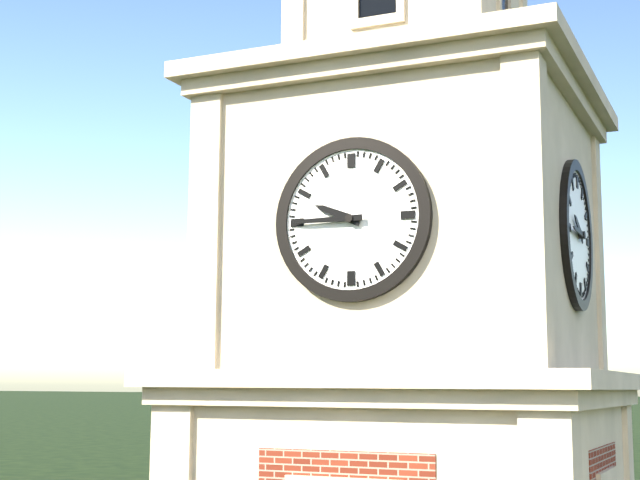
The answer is 9 h 45 min
